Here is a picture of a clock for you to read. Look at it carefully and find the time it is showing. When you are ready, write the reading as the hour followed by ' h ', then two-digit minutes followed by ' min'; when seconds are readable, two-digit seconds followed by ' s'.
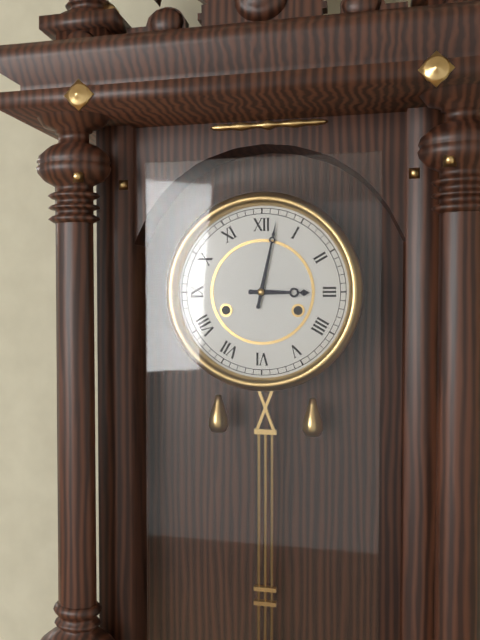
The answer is 3 h 02 min
